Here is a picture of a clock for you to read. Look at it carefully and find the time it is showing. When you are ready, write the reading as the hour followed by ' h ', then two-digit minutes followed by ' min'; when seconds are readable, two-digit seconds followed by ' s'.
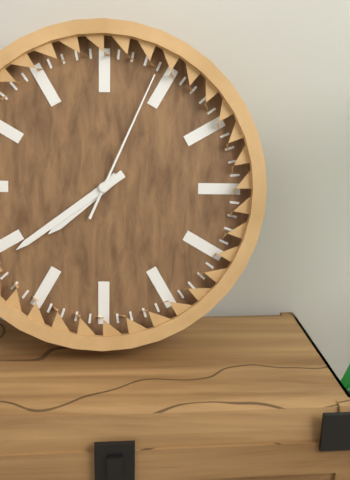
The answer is 7 h 39 min 04 s
